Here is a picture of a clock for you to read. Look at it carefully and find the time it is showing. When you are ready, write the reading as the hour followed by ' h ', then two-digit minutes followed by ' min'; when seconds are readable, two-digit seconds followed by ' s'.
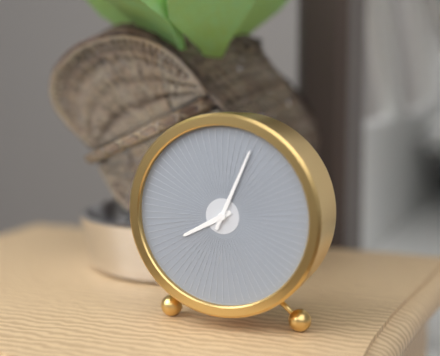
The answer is 8 h 04 min
